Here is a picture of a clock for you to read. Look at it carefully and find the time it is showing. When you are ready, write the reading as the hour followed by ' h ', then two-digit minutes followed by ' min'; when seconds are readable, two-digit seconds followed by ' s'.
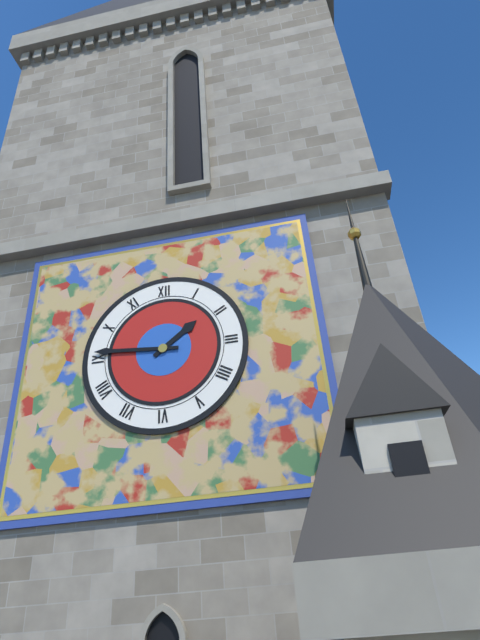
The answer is 1 h 46 min
